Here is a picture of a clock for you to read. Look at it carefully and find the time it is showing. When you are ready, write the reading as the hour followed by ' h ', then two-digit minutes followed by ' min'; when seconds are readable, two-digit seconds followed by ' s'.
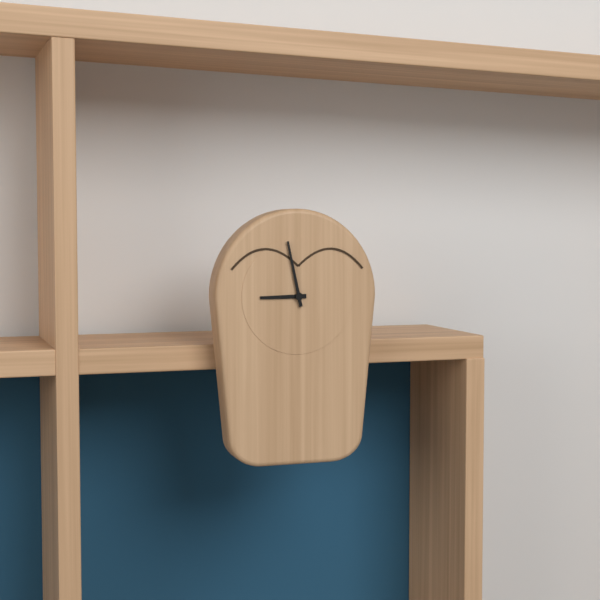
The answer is 8 h 58 min
